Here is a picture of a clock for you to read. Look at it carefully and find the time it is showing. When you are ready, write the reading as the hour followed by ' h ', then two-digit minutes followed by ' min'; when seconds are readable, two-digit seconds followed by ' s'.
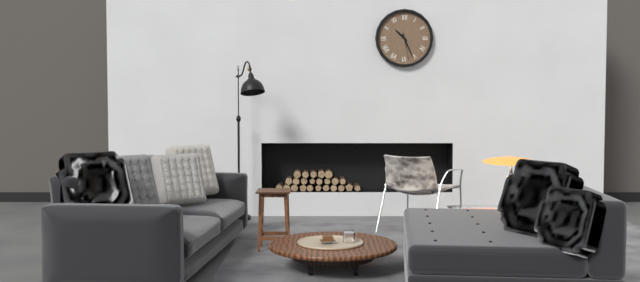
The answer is 10 h 26 min
